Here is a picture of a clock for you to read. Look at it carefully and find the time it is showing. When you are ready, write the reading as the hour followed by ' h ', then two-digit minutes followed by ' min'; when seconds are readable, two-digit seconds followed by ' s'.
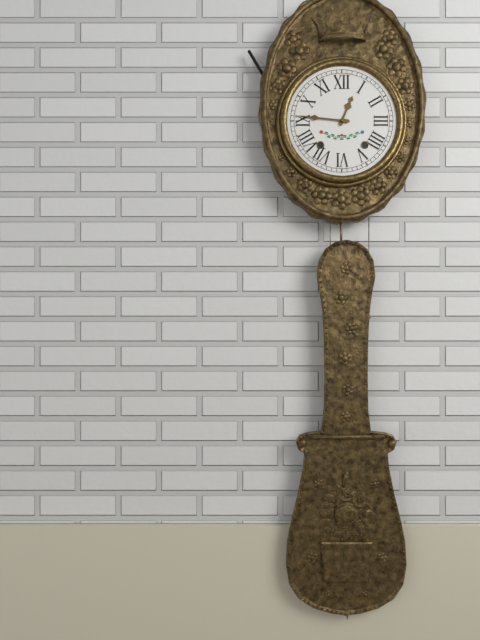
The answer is 12 h 46 min
